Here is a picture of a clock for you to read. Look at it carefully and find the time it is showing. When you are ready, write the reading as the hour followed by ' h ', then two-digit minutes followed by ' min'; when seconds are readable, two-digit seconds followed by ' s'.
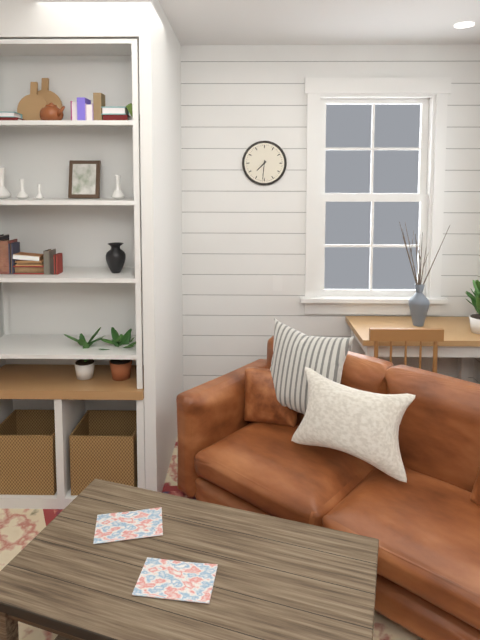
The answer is 7 h 31 min
